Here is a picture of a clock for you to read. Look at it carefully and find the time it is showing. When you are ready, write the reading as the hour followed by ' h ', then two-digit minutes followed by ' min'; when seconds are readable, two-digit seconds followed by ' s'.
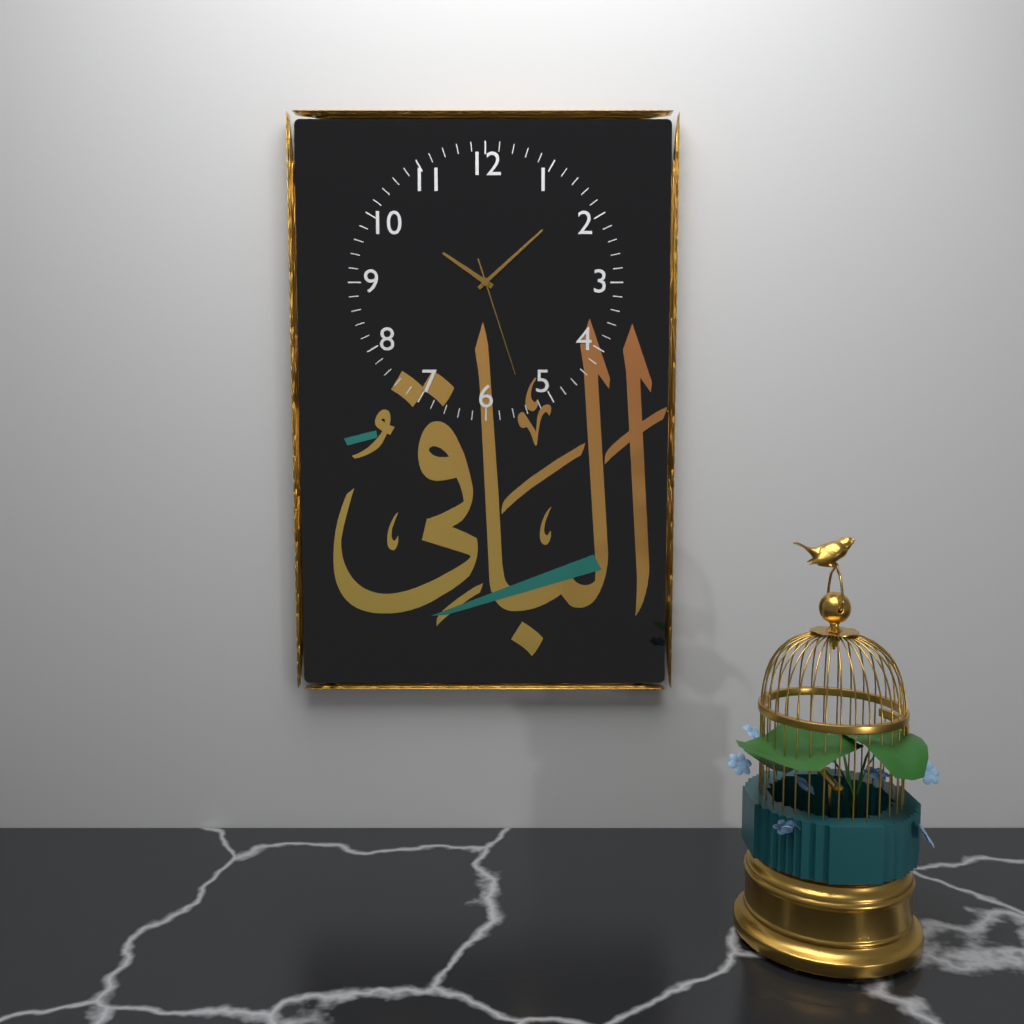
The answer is 10 h 08 min 27 s
